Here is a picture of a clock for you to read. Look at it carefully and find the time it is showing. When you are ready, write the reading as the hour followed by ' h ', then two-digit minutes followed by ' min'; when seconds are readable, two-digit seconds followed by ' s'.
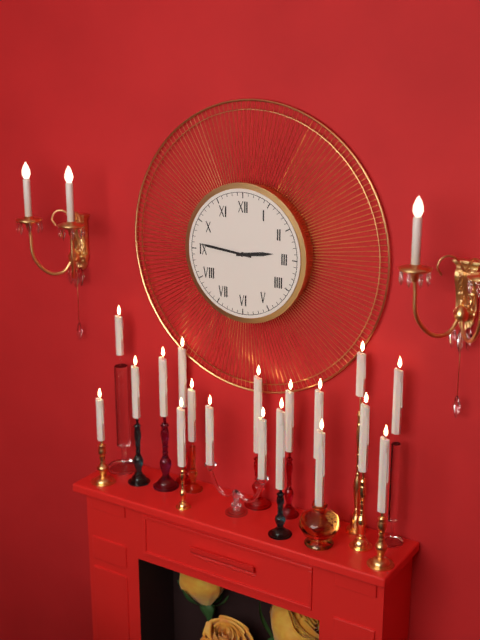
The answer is 2 h 46 min
